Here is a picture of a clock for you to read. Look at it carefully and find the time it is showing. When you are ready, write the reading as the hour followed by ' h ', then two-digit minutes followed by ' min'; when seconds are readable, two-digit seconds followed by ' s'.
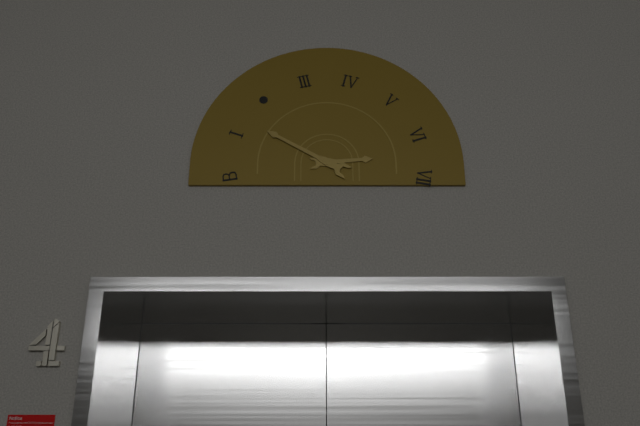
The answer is 2 h 50 min
